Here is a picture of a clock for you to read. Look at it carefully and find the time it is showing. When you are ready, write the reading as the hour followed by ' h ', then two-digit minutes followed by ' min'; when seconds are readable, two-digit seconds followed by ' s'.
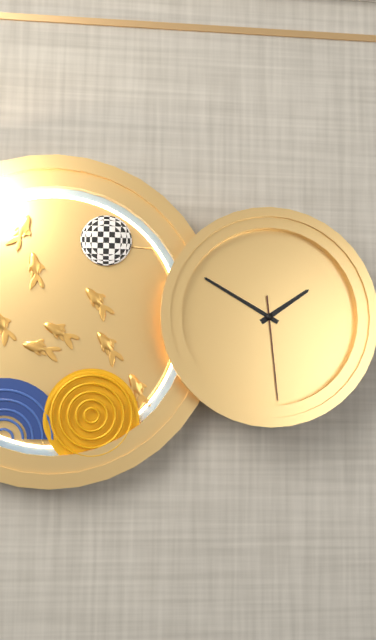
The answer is 1 h 50 min 29 s
